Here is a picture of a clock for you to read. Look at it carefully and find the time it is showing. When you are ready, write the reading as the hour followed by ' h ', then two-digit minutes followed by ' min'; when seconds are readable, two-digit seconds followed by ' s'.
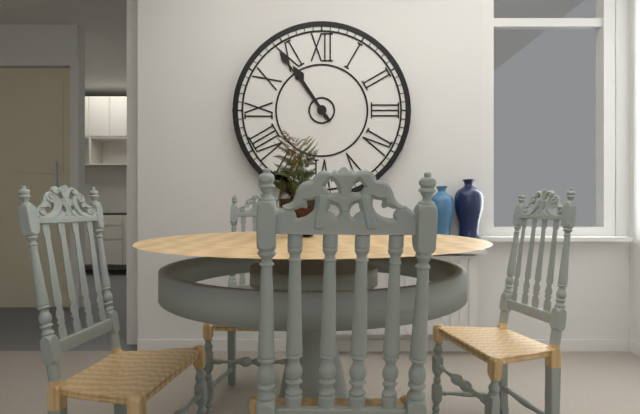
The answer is 10 h 54 min
